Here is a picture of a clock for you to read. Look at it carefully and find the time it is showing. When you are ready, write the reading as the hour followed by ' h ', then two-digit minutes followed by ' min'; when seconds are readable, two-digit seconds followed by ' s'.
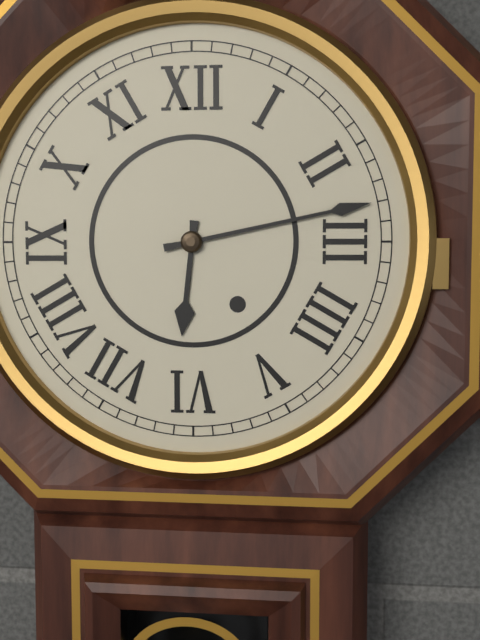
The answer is 6 h 13 min
